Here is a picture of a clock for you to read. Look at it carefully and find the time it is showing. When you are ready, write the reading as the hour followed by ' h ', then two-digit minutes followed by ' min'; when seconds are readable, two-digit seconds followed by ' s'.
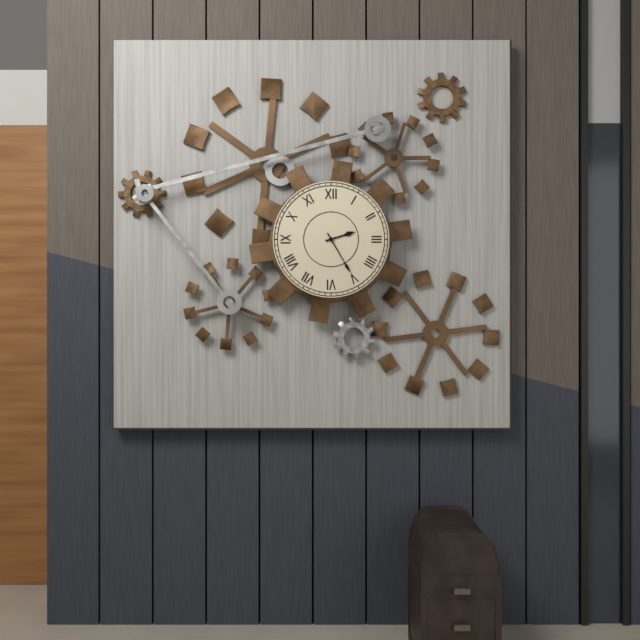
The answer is 2 h 25 min
